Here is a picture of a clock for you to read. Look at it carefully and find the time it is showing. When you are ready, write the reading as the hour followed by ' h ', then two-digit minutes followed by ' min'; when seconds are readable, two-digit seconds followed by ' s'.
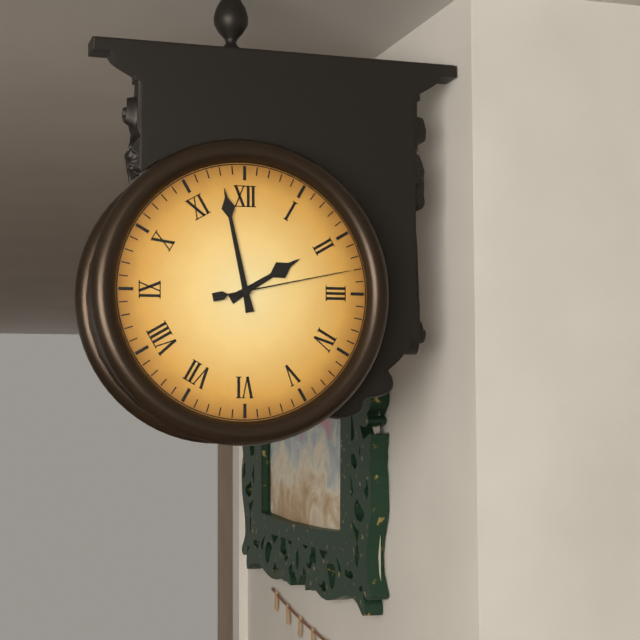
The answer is 1 h 58 min 13 s
